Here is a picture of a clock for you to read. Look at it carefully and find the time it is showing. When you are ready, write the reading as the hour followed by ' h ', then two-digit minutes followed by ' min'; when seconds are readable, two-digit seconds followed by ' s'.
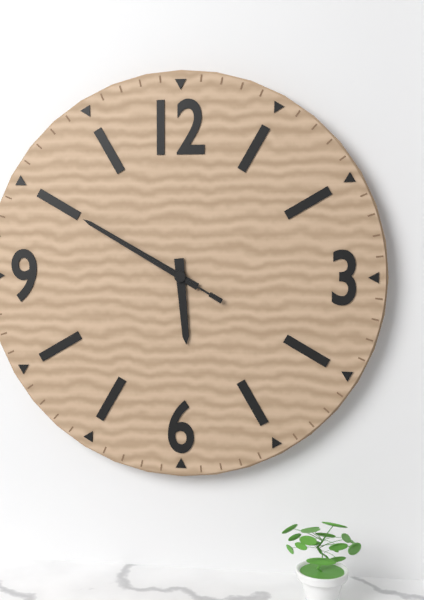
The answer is 5 h 50 min 50 s
